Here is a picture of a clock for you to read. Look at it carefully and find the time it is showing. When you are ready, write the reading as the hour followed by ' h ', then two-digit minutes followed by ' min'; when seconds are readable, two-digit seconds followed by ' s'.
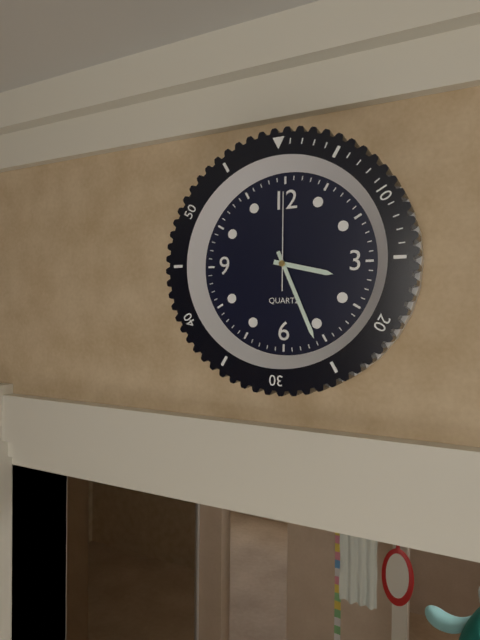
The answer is 3 h 26 min 00 s
